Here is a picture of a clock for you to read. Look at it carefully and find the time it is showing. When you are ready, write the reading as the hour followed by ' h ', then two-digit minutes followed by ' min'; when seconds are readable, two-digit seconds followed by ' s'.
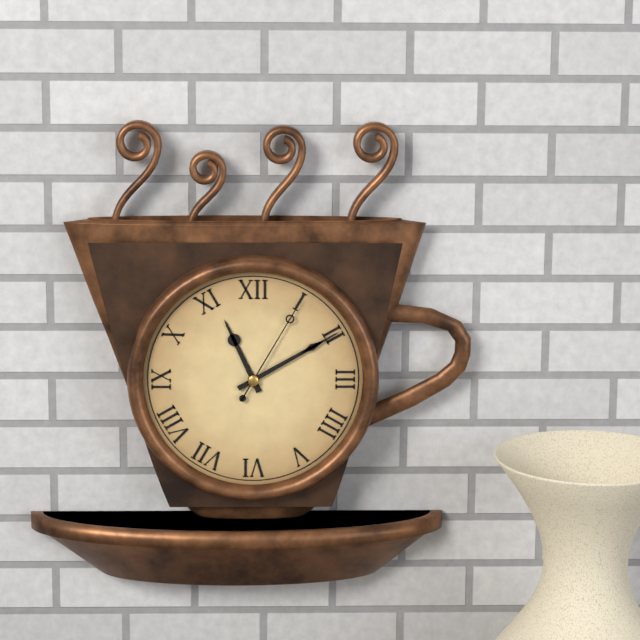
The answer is 11 h 10 min 05 s
